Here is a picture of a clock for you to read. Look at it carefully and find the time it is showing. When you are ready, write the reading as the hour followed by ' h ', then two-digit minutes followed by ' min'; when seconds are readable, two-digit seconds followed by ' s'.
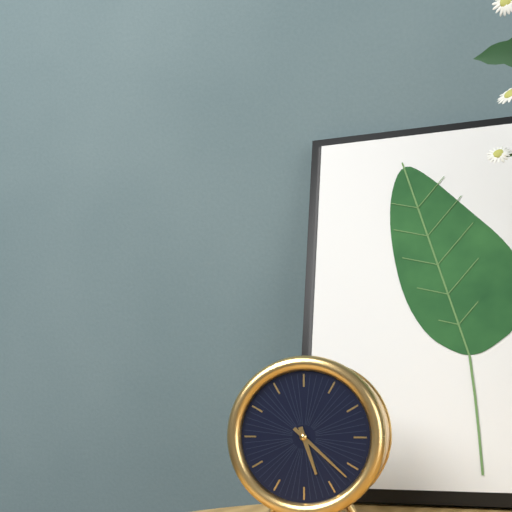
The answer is 5 h 22 min
